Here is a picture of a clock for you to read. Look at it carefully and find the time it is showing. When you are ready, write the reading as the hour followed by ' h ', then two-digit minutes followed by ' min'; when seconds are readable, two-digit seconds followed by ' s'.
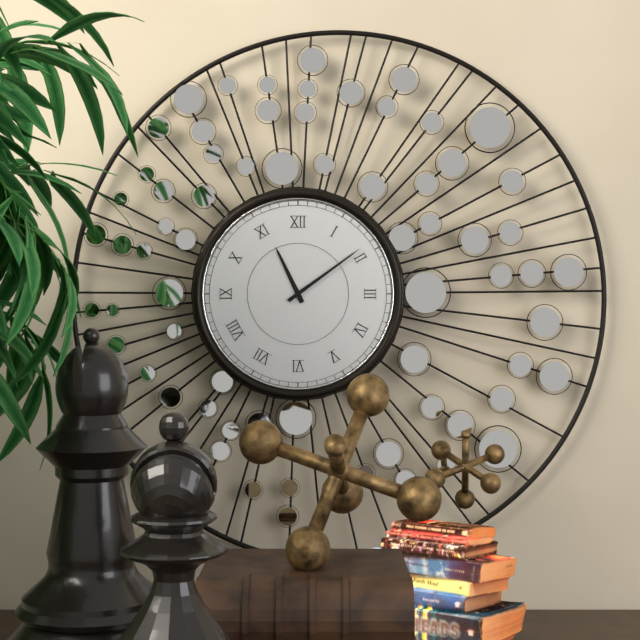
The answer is 11 h 09 min
